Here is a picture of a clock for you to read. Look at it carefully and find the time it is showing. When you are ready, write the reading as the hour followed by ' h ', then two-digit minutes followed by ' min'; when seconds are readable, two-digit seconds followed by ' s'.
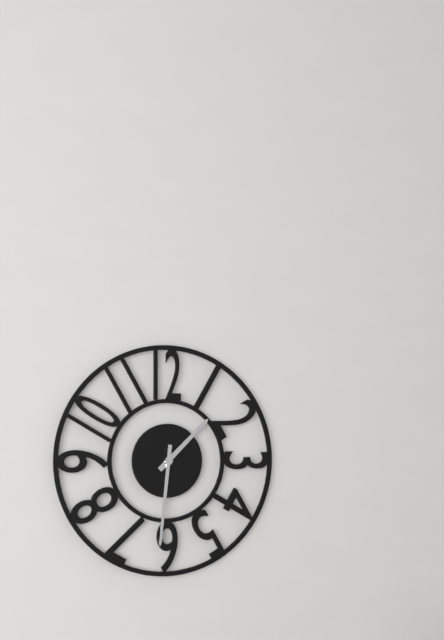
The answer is 1 h 31 min
